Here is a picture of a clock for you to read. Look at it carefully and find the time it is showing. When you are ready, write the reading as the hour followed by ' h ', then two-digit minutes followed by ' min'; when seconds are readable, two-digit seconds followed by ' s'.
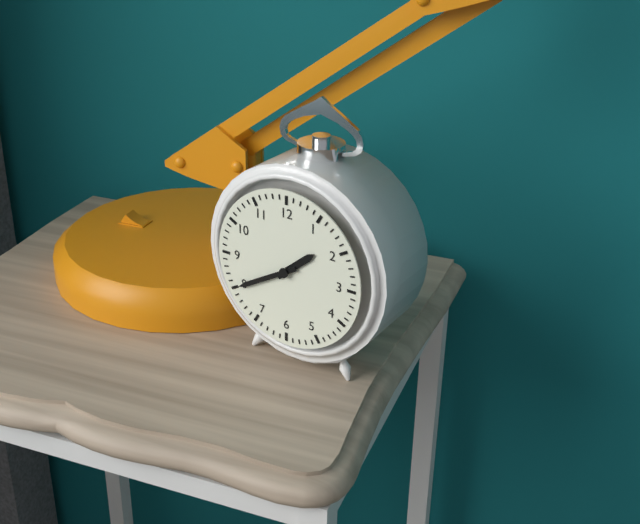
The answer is 1 h 40 min
